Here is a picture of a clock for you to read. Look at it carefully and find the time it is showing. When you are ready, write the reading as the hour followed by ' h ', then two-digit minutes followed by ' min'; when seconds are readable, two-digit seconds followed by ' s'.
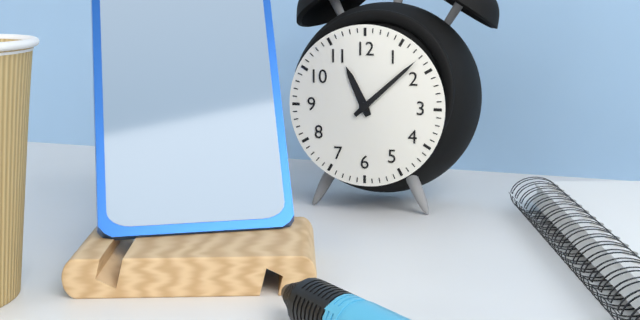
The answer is 11 h 08 min
